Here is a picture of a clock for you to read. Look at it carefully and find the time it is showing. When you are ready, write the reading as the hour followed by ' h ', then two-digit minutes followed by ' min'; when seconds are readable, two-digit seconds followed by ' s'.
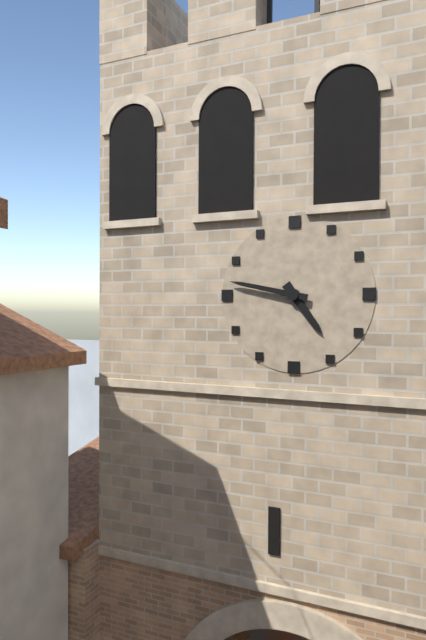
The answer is 4 h 47 min
